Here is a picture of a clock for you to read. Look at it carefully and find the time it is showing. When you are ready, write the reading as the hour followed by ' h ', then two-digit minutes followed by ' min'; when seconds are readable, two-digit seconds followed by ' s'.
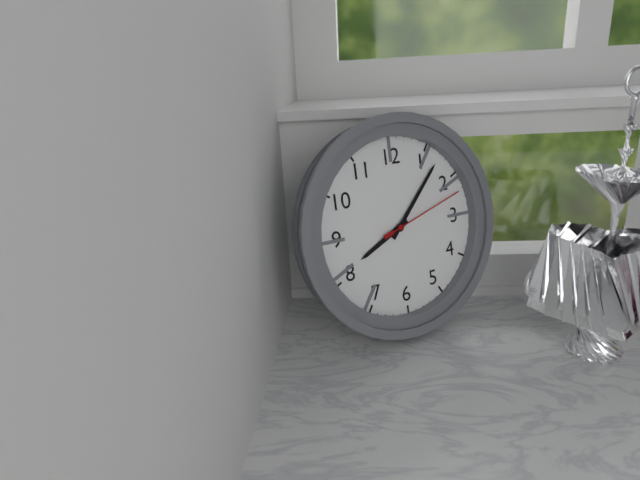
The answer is 8 h 07 min 12 s
